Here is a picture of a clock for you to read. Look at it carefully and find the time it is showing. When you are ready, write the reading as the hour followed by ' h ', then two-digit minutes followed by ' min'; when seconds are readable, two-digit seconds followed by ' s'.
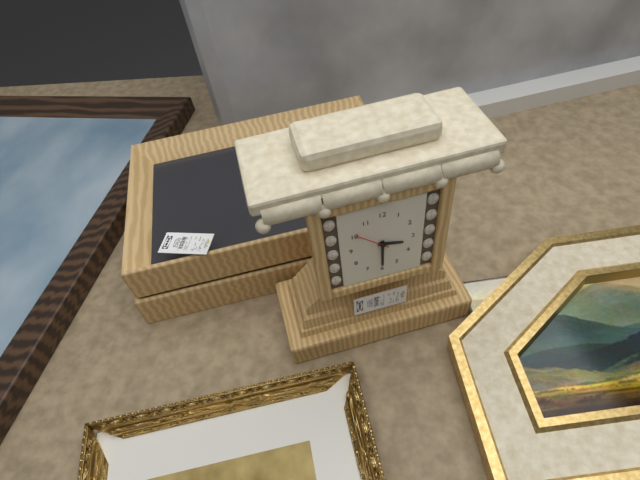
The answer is 3 h 30 min
